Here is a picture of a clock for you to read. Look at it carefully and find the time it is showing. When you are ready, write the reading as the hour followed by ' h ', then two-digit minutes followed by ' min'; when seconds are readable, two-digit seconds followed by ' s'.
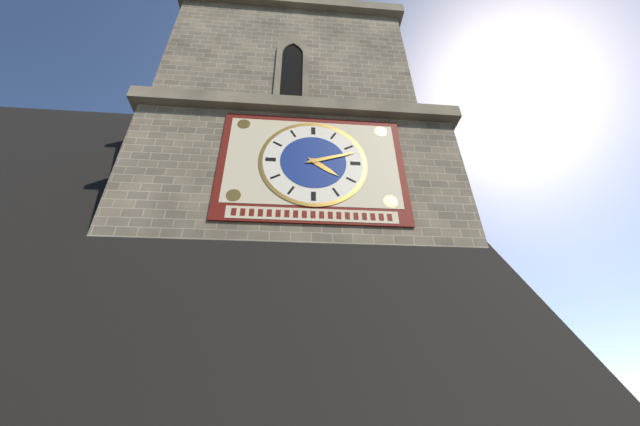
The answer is 4 h 12 min
